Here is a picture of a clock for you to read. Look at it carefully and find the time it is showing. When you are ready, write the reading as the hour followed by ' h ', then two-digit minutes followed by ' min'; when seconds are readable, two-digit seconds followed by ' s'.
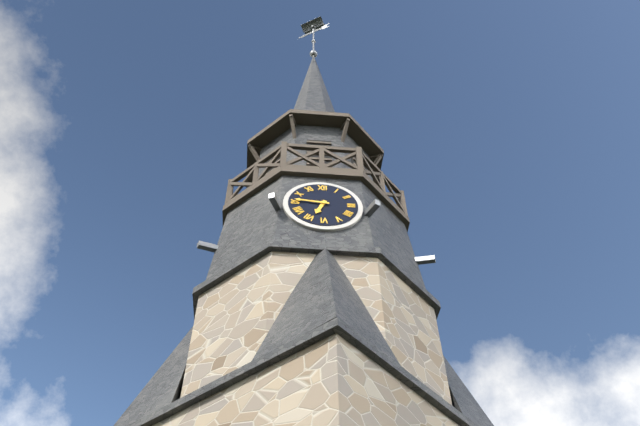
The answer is 6 h 46 min
